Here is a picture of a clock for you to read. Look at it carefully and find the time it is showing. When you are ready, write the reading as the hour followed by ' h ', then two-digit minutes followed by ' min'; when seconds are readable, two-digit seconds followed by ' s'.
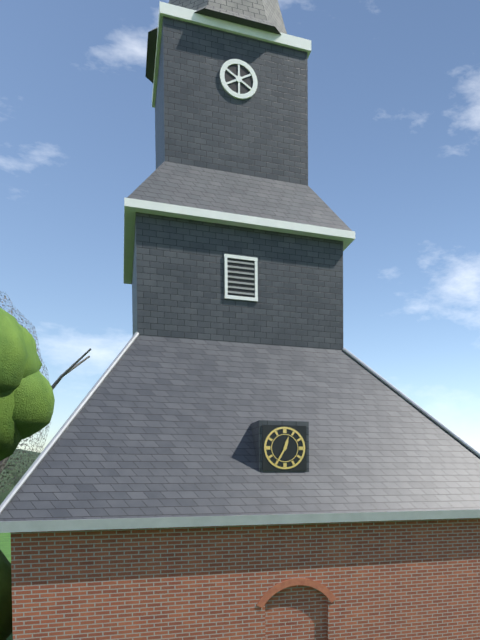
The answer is 12 h 35 min
